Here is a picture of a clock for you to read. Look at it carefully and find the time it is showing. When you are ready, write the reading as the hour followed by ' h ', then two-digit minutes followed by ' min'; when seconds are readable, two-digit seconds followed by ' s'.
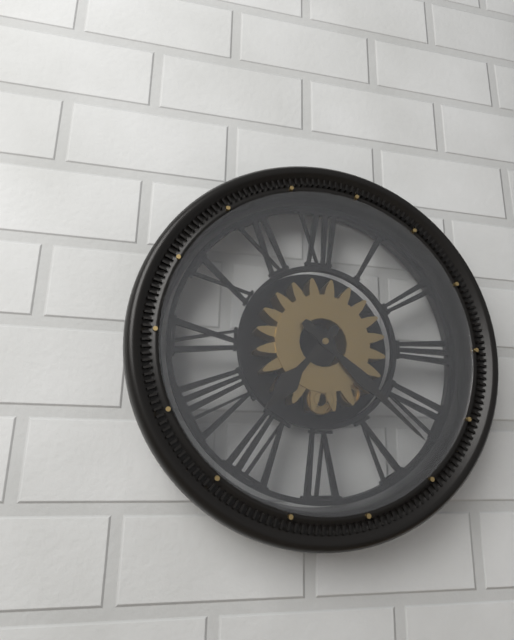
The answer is 7 h 22 min
